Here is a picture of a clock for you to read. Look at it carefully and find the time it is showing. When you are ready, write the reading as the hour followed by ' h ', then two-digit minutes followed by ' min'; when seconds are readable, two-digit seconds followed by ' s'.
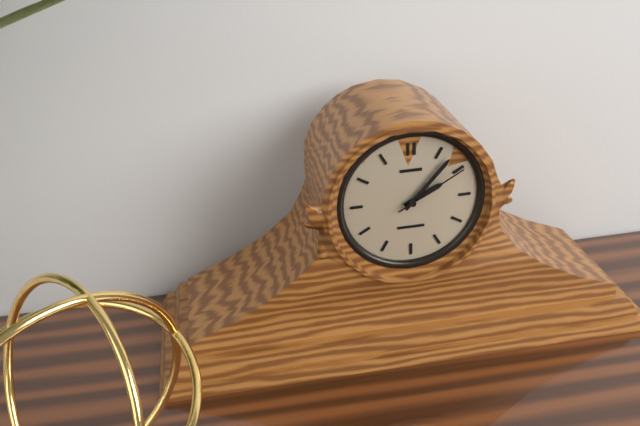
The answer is 2 h 07 min 10 s
